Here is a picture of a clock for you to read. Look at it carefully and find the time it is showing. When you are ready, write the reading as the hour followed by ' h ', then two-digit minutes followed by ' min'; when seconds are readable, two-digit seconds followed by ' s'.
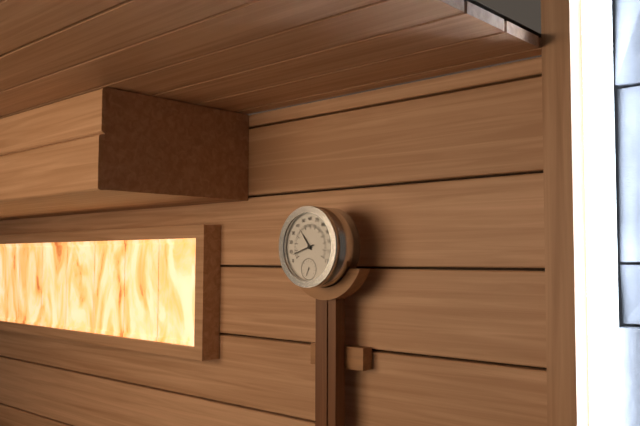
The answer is 10 h 42 min
